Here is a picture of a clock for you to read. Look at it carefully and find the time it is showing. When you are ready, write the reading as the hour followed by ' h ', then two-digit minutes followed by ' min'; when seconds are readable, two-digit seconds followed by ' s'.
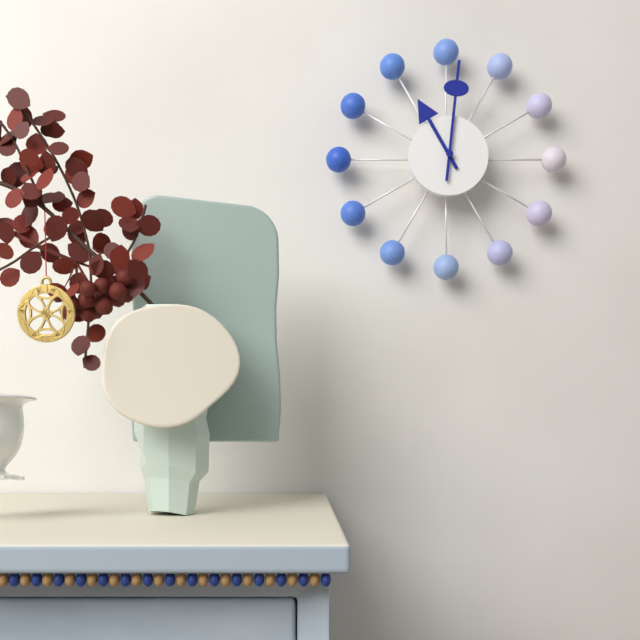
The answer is 11 h 01 min
